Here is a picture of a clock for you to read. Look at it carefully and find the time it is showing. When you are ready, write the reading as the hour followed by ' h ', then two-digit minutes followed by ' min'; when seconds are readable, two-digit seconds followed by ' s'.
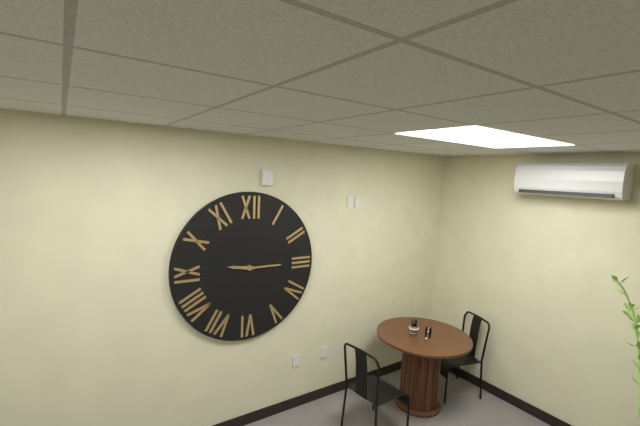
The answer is 9 h 15 min
